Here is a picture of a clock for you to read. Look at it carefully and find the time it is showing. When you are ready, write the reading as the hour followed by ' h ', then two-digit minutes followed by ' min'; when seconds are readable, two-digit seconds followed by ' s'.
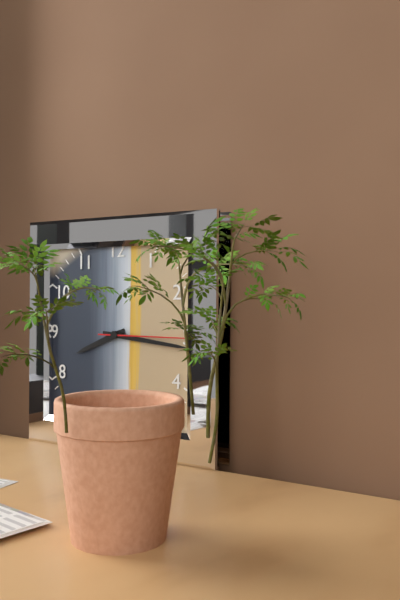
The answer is 8 h 16 min 15 s
